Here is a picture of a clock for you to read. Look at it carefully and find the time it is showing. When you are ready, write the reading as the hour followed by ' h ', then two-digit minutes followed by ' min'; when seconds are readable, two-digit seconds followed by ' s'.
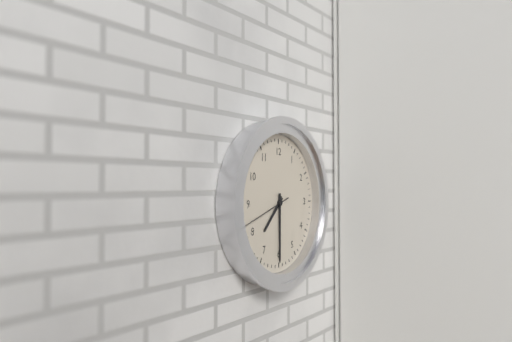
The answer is 7 h 30 min 42 s
